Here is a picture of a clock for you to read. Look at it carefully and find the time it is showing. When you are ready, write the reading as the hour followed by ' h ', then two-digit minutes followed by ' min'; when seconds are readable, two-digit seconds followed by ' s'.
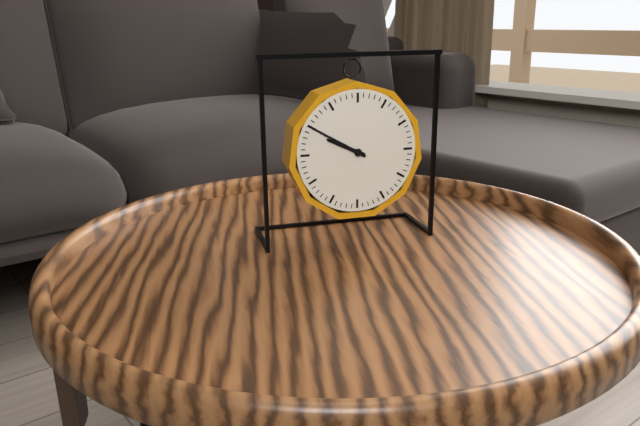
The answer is 9 h 50 min
